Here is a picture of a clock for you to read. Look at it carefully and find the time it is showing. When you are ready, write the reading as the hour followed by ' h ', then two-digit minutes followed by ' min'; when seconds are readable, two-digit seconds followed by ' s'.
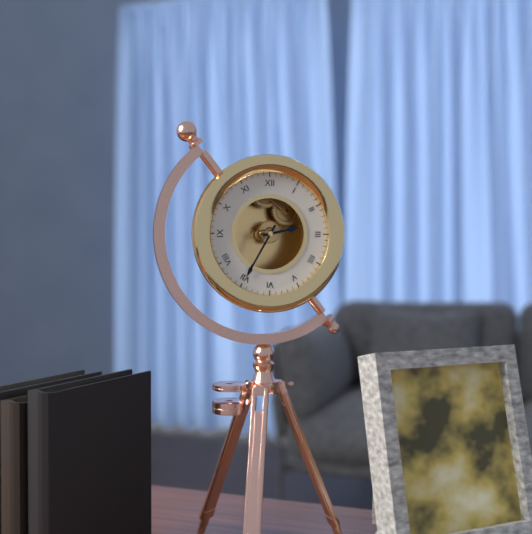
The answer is 2 h 35 min
